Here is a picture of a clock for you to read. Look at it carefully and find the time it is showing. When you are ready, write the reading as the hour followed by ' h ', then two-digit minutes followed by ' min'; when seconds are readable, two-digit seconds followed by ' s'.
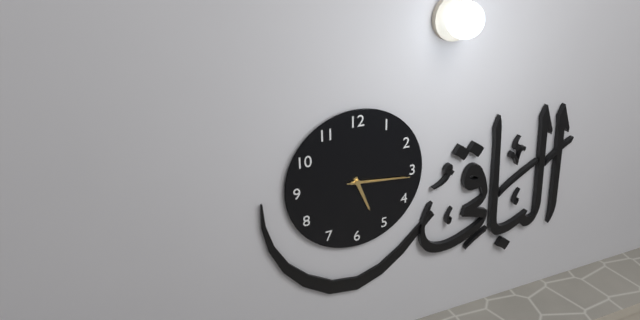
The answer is 5 h 16 min 16 s
